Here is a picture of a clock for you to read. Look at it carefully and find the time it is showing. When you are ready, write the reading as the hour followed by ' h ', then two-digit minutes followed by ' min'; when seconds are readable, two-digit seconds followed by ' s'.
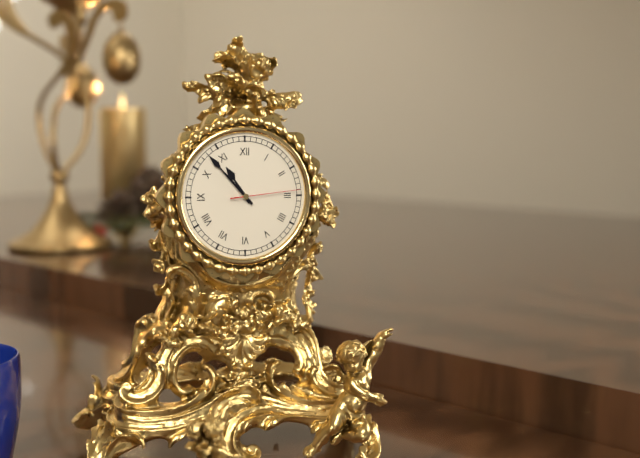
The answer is 10 h 53 min 14 s
